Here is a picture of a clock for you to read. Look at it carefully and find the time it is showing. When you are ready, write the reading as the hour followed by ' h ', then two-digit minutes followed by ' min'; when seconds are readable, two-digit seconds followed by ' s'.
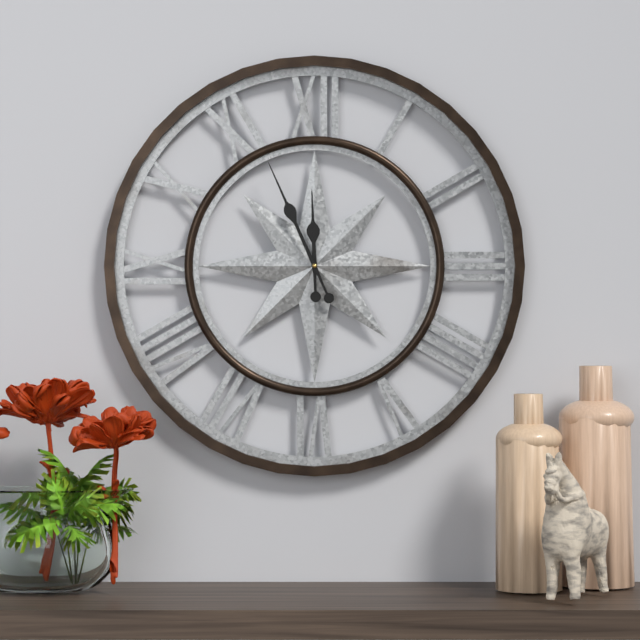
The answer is 11 h 56 min
